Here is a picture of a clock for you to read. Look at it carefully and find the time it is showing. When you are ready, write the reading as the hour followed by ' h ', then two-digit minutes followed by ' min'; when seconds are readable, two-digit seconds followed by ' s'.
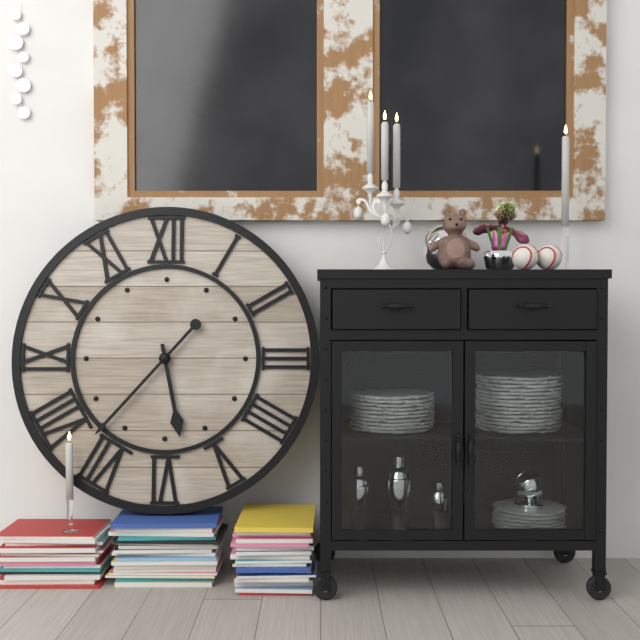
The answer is 5 h 37 min
